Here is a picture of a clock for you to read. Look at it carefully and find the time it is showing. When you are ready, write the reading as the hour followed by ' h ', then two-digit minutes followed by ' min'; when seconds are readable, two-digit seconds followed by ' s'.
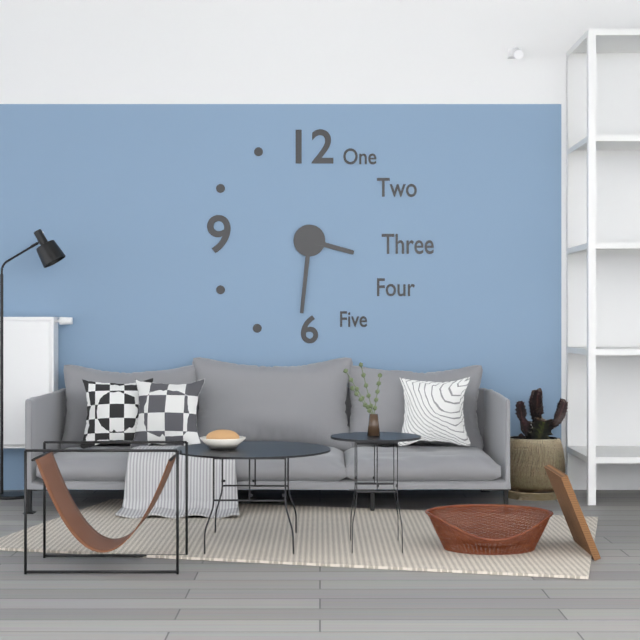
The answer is 3 h 31 min
